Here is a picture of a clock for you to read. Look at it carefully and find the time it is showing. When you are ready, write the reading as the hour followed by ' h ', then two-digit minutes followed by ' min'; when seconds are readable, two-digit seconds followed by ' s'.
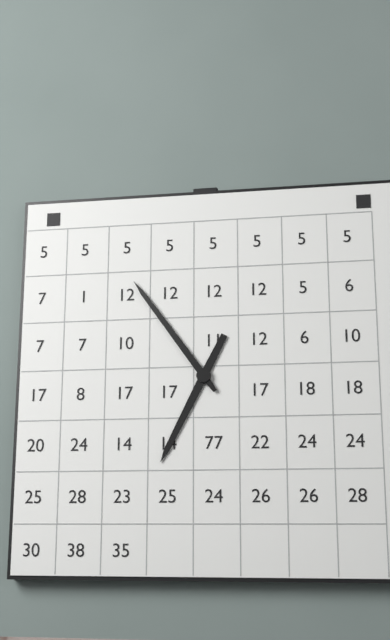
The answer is 6 h 54 min
